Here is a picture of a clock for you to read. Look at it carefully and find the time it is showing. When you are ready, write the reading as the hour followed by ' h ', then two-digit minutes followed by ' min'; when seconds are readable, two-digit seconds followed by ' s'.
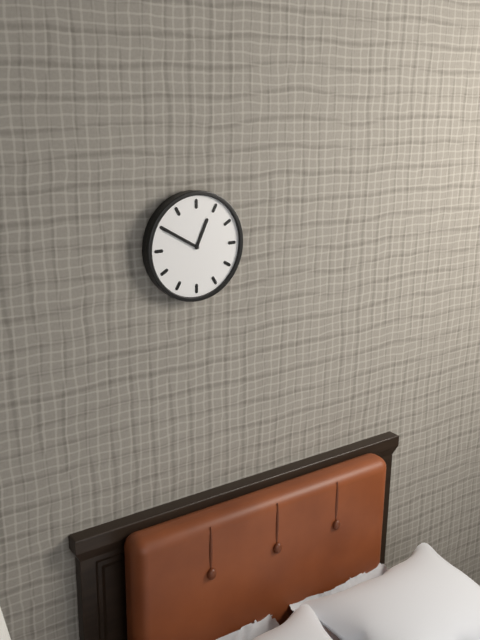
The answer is 12 h 50 min
